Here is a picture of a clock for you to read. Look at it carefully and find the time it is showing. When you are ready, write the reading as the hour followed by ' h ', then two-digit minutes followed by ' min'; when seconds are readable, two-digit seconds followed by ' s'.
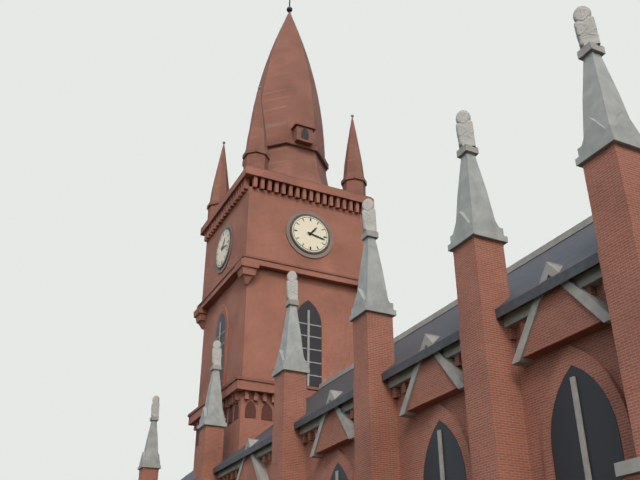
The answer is 1 h 17 min
